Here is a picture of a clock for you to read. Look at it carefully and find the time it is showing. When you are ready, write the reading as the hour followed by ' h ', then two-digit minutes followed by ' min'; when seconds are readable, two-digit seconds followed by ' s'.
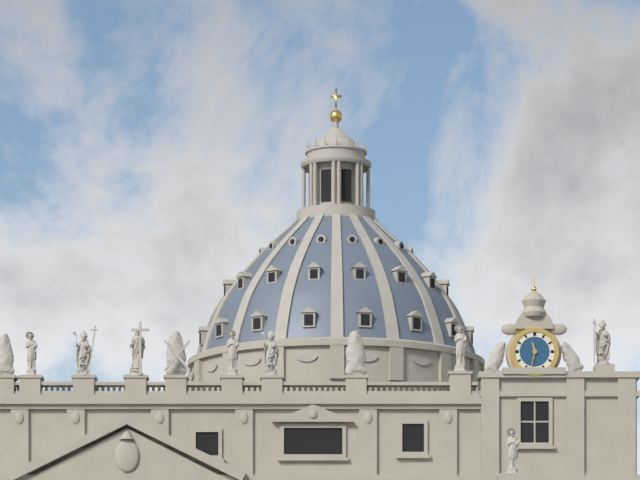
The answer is 11 h 32 min
